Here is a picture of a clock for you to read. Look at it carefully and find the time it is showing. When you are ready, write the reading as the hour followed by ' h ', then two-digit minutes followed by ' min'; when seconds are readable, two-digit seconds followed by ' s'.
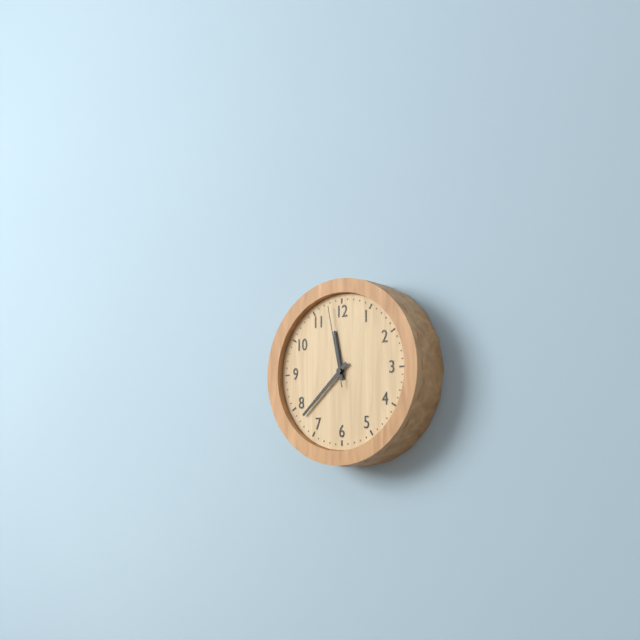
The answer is 11 h 38 min 58 s
